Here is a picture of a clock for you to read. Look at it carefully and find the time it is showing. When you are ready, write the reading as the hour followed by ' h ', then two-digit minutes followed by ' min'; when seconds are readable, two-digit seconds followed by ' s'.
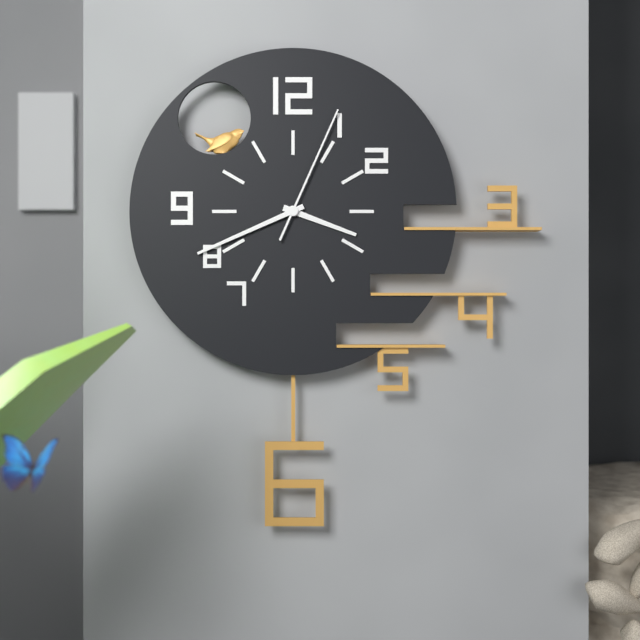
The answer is 3 h 41 min 04 s
